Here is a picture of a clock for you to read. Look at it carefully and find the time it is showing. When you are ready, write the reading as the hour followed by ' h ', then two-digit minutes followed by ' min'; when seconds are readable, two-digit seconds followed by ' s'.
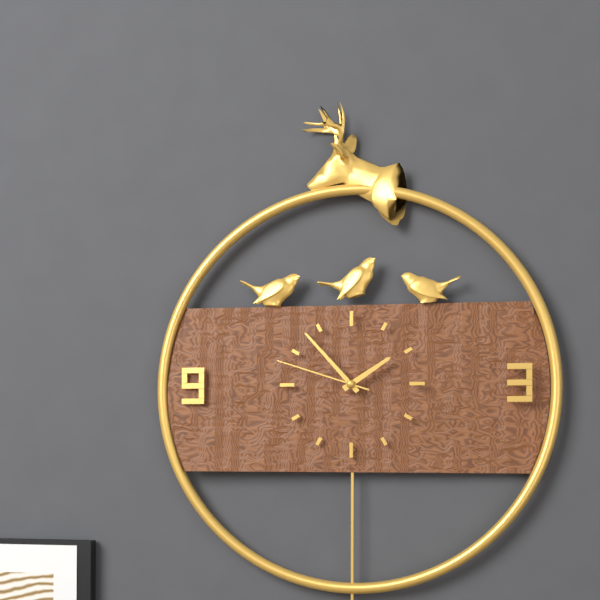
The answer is 1 h 53 min 48 s
